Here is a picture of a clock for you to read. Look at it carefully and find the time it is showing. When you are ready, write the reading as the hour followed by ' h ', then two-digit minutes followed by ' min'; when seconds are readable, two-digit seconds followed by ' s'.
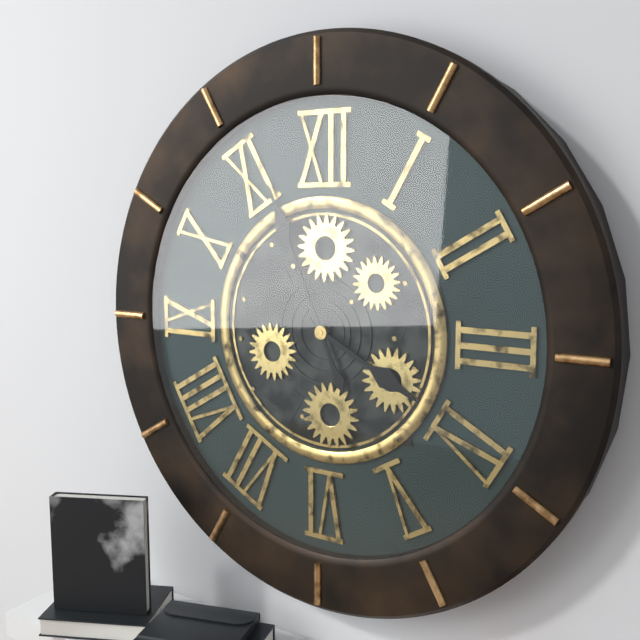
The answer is 3 h 56 min
